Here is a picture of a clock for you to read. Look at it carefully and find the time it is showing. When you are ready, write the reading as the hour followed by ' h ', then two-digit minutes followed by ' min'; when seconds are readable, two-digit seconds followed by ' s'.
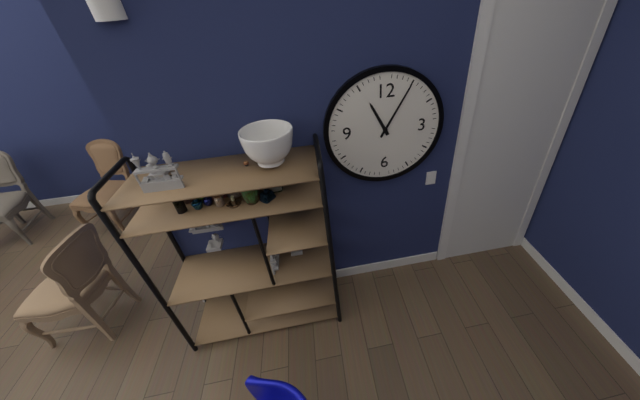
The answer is 11 h 05 min
